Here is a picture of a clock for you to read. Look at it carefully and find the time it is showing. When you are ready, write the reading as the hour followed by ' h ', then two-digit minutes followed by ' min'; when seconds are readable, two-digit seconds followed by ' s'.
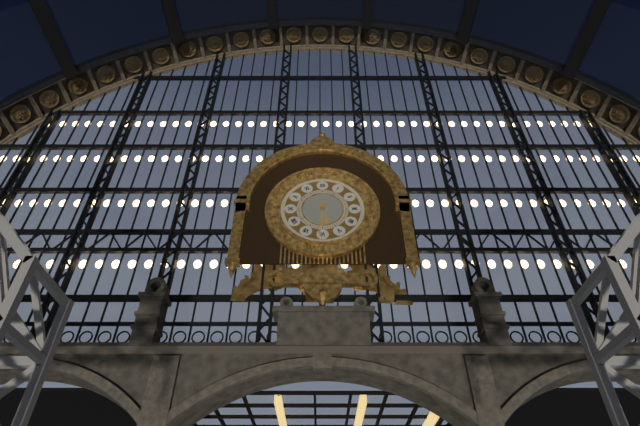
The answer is 5 h 31 min
